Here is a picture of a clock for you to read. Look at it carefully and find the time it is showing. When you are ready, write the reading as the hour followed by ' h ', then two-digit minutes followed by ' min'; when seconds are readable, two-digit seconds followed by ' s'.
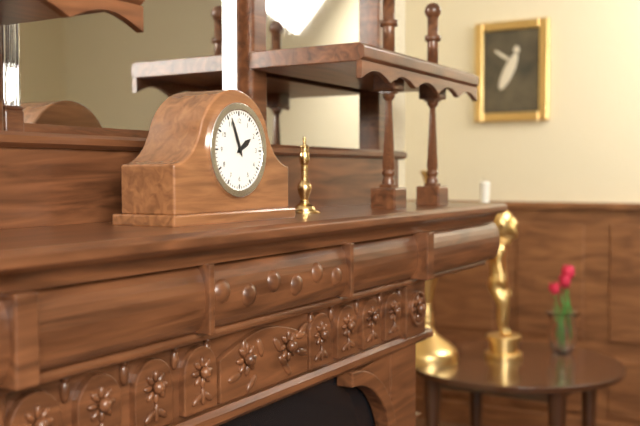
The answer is 1 h 56 min
